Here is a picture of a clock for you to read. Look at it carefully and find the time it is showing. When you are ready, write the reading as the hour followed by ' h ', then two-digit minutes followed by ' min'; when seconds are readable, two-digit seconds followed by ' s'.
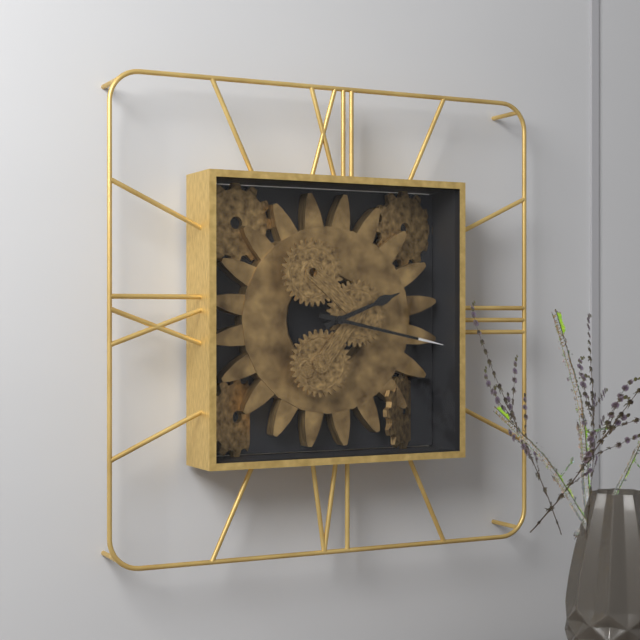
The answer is 2 h 17 min
